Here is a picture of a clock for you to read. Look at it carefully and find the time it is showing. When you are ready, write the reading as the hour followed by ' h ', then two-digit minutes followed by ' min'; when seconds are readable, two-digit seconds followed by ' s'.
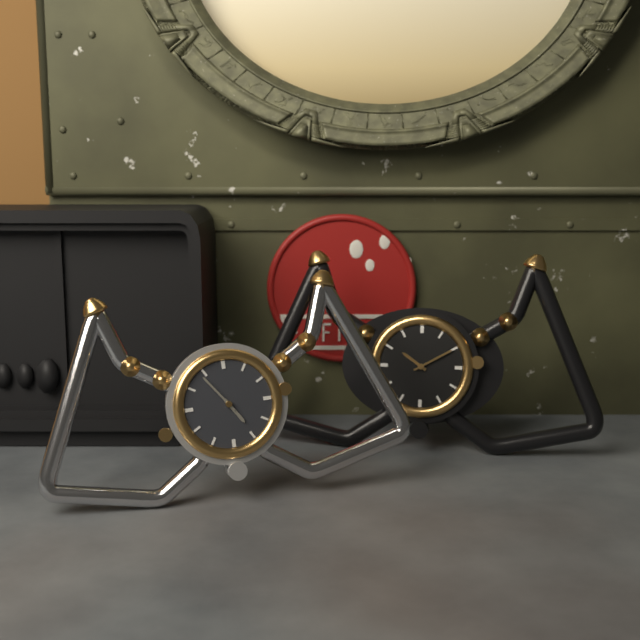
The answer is 4 h 54 min
